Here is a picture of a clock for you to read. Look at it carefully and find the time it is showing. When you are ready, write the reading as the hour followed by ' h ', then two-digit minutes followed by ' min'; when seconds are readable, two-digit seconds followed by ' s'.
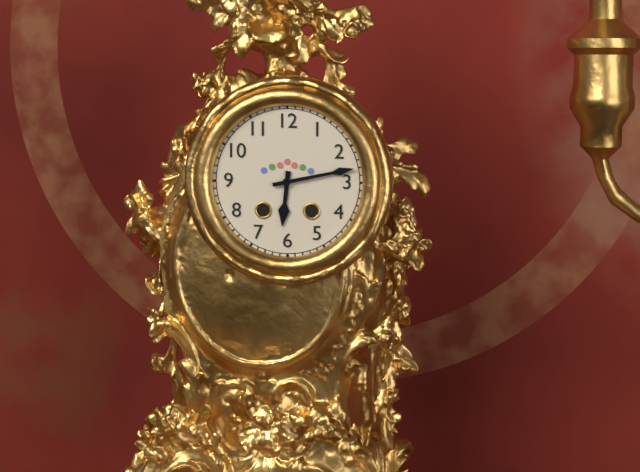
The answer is 6 h 13 min
